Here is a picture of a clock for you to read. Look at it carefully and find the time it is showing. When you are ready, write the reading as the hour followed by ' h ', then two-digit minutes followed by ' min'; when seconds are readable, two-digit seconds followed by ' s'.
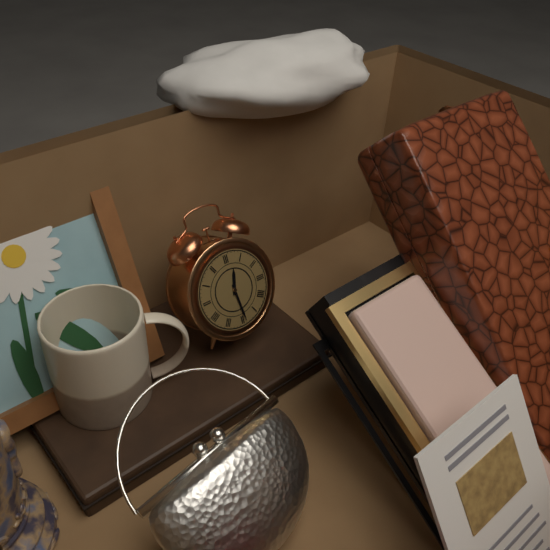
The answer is 12 h 29 min
